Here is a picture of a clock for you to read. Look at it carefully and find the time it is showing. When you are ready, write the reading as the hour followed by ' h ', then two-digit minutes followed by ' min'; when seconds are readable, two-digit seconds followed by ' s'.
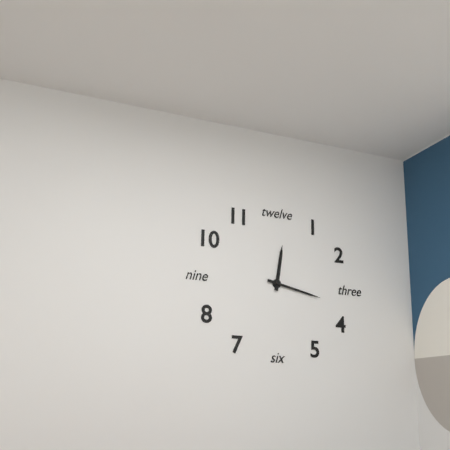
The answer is 12 h 17 min
